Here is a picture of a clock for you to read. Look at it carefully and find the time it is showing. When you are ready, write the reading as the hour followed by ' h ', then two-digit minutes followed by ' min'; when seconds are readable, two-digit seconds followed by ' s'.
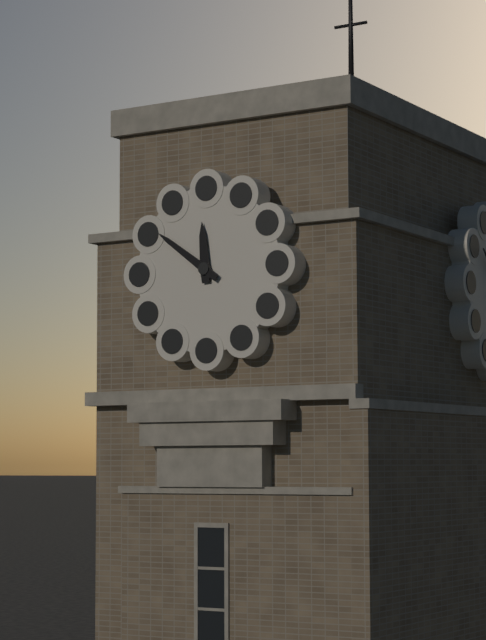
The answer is 11 h 51 min
